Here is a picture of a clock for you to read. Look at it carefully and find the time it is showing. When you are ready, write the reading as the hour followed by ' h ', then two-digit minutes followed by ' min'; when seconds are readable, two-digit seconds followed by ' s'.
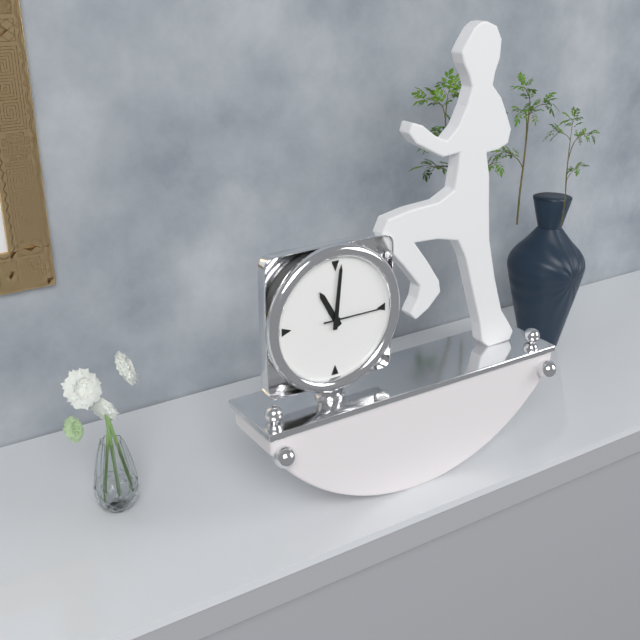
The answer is 11 h 01 min 15 s
